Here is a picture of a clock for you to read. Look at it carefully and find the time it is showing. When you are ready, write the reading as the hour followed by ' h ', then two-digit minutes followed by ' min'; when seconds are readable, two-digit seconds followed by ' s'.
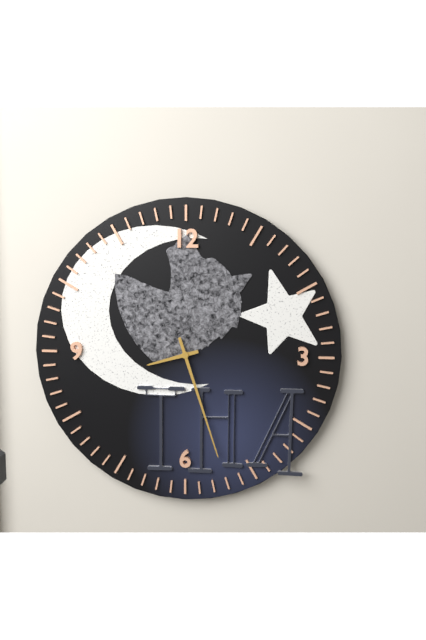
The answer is 8 h 27 min
